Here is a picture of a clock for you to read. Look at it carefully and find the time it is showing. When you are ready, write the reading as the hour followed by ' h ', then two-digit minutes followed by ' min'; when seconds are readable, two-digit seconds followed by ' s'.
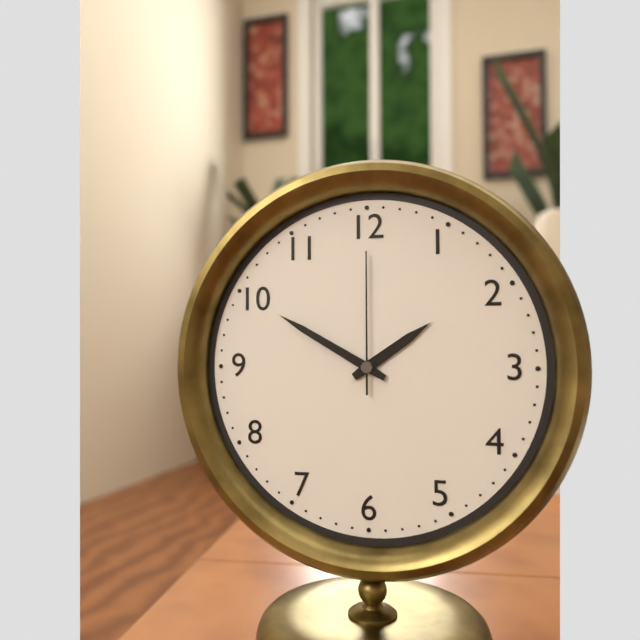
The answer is 1 h 50 min 00 s
